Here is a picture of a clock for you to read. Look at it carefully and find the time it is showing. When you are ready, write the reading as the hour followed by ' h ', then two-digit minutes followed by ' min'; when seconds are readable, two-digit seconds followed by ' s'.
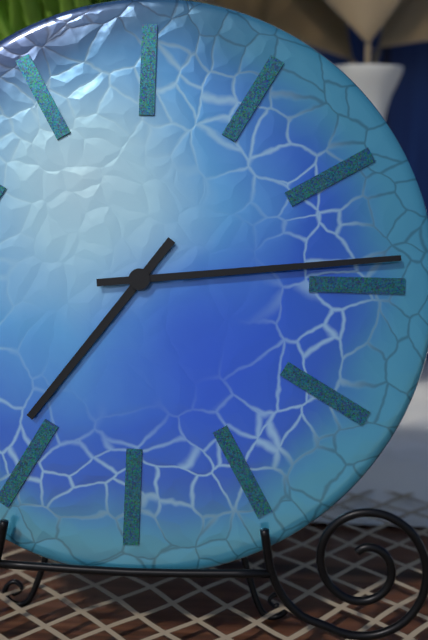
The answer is 7 h 14 min
